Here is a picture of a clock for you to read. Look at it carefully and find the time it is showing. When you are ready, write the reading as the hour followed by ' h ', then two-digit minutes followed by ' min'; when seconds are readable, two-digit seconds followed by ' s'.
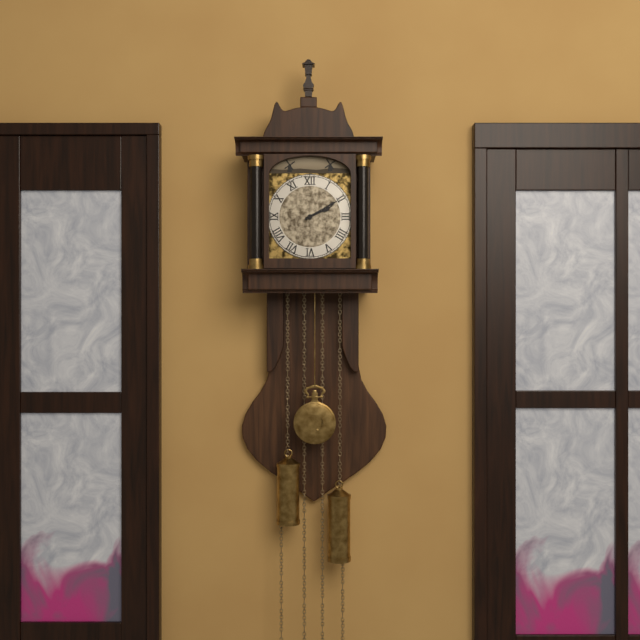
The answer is 2 h 10 min
